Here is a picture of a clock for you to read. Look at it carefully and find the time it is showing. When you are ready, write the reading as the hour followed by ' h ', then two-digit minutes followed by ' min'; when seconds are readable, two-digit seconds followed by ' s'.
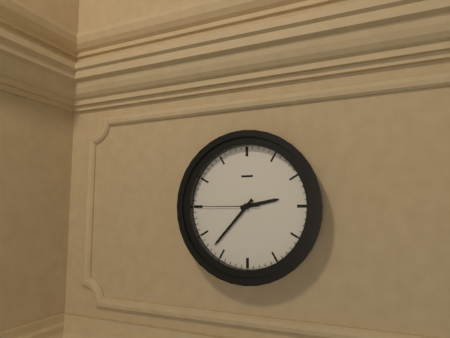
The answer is 2 h 37 min 45 s
